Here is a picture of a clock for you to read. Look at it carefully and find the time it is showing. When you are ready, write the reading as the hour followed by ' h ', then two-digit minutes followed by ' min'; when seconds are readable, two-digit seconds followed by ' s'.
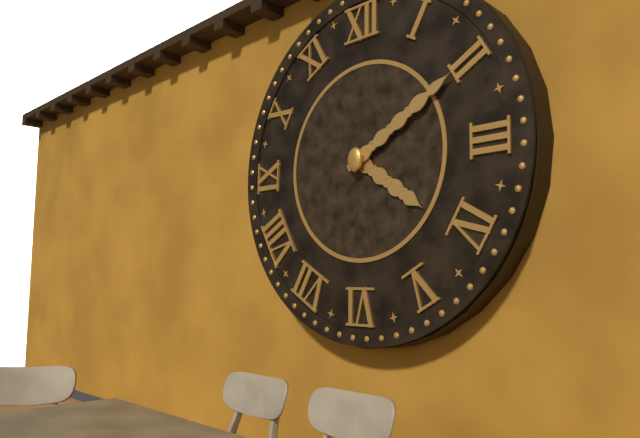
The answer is 4 h 10 min
